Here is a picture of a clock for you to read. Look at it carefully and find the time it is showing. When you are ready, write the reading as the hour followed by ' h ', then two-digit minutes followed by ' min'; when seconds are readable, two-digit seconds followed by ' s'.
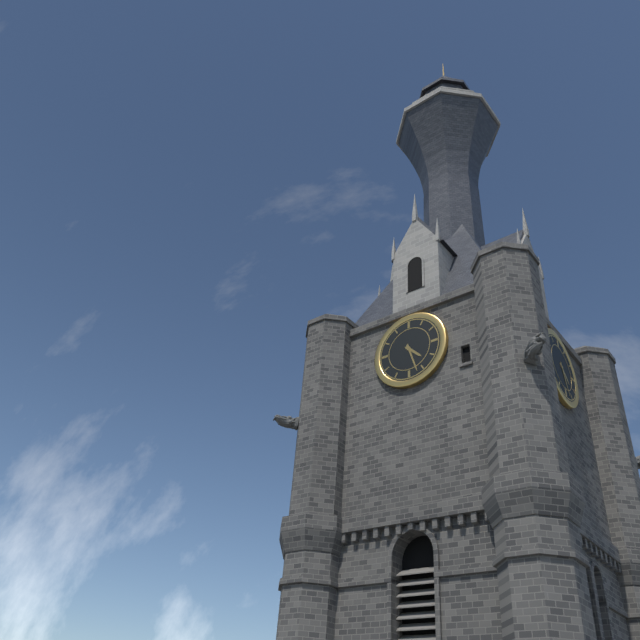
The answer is 4 h 27 min
